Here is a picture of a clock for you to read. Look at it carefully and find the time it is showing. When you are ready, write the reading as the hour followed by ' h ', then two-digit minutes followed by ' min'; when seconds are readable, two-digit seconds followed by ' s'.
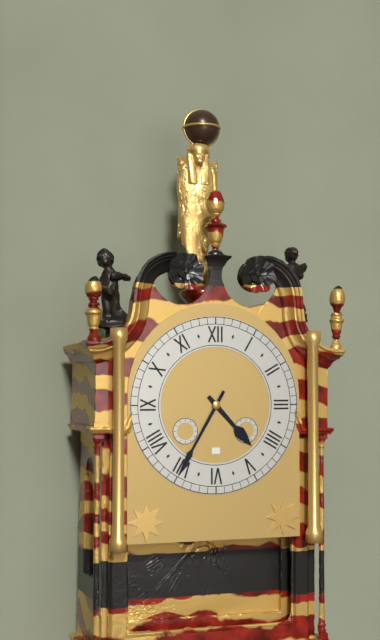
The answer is 4 h 35 min
